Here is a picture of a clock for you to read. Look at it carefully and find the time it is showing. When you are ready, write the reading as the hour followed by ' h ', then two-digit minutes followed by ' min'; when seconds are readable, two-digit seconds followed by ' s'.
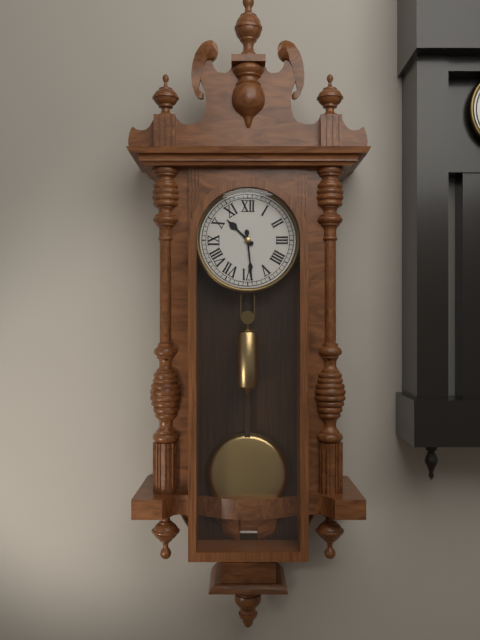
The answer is 10 h 29 min
